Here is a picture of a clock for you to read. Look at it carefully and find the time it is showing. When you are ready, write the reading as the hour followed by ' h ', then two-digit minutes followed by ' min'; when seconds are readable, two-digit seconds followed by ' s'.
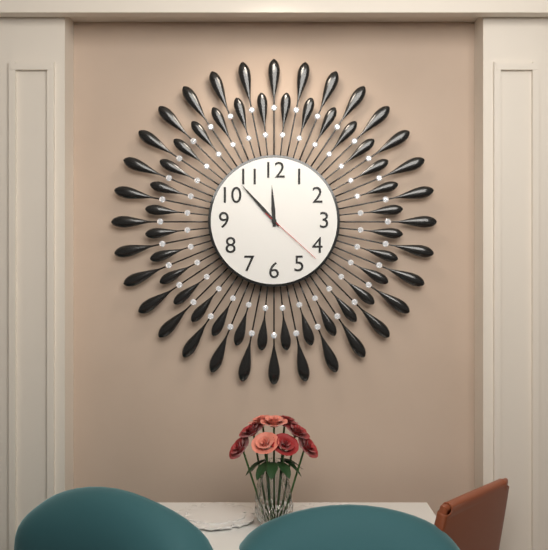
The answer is 11 h 53 min 22 s
